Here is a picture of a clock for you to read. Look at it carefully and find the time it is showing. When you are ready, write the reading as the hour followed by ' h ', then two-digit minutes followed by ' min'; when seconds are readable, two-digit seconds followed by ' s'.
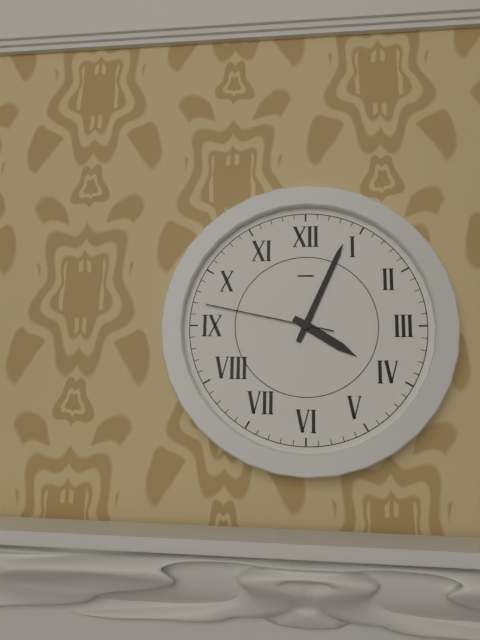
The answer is 4 h 04 min 47 s
